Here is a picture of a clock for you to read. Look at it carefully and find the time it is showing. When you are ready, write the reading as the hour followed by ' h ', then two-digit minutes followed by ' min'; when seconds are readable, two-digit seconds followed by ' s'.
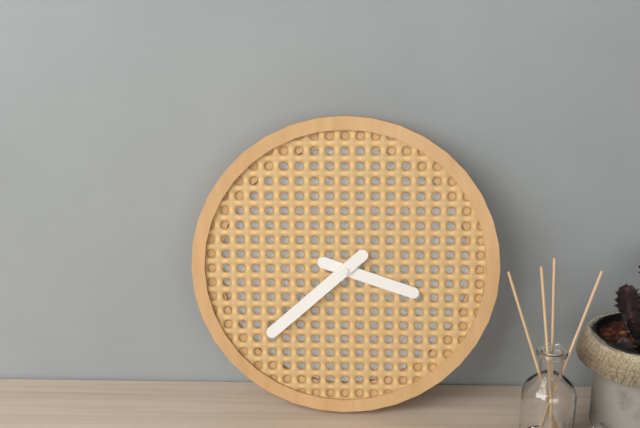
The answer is 3 h 38 min
